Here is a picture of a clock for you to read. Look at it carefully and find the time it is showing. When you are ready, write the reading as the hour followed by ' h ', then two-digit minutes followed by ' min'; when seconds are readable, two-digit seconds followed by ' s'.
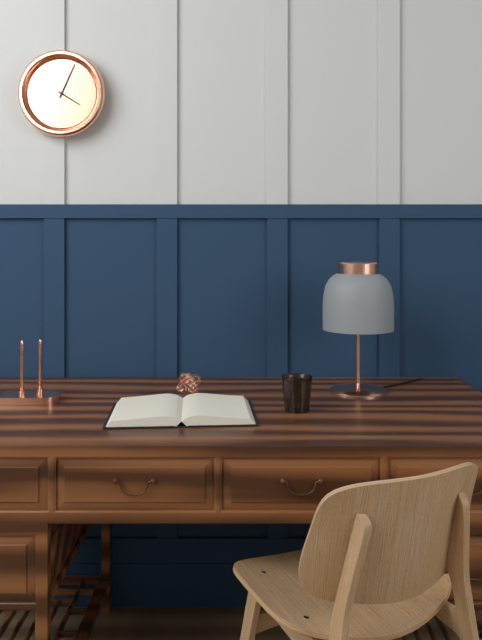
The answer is 4 h 04 min
